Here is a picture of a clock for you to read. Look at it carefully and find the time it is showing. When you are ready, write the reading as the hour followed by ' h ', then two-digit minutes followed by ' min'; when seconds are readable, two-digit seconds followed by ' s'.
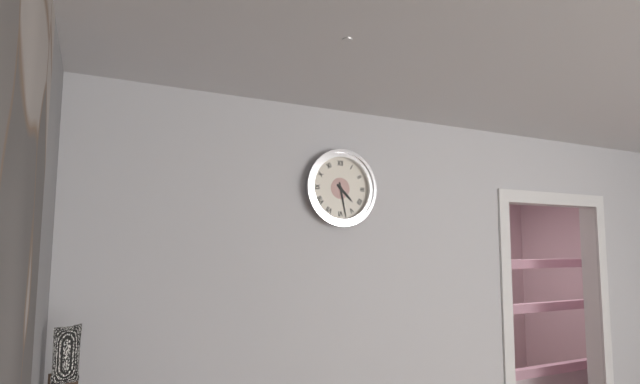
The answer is 4 h 28 min
